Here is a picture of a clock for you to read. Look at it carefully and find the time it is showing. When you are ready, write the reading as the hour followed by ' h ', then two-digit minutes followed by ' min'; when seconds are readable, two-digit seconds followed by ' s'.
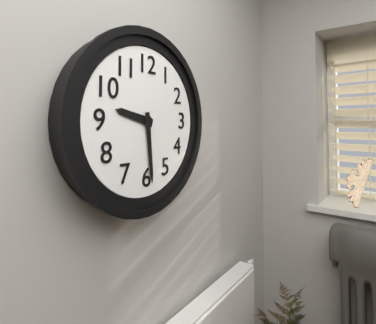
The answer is 9 h 29 min
